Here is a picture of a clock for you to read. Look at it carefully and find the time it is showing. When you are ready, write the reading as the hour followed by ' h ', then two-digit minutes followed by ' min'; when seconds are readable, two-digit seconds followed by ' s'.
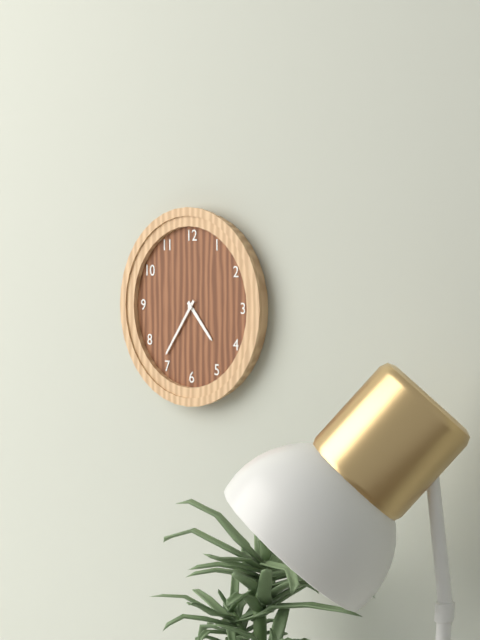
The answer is 4 h 36 min
